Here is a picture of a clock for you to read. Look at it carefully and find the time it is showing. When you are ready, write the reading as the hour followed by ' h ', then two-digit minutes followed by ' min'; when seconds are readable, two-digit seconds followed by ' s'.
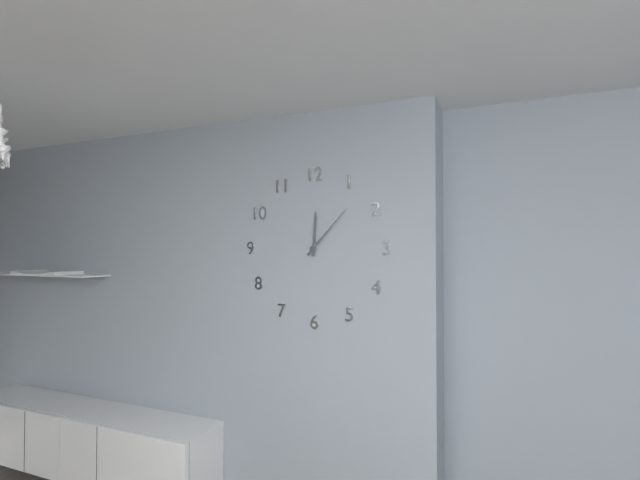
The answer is 12 h 07 min
